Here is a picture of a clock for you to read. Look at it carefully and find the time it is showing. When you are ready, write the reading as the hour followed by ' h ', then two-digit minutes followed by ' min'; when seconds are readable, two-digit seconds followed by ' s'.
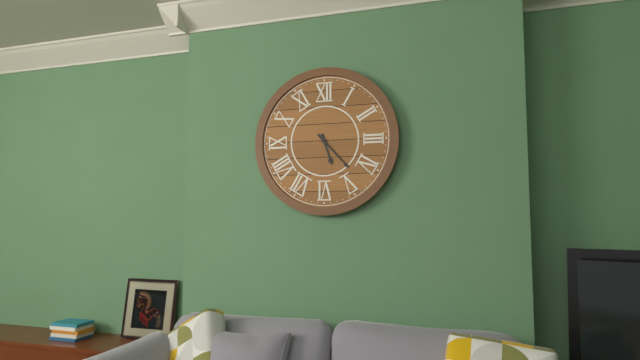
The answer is 5 h 23 min
